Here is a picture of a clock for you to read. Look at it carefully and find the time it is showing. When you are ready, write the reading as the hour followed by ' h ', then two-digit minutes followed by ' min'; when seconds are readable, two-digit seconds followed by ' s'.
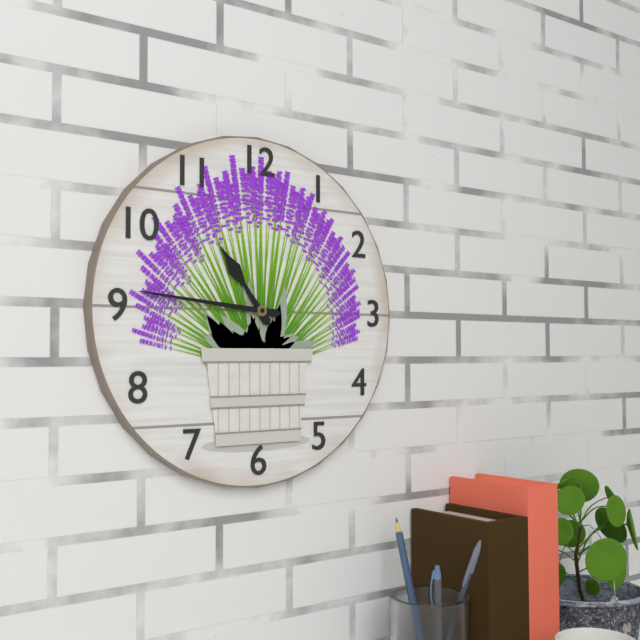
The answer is 10 h 46 min
